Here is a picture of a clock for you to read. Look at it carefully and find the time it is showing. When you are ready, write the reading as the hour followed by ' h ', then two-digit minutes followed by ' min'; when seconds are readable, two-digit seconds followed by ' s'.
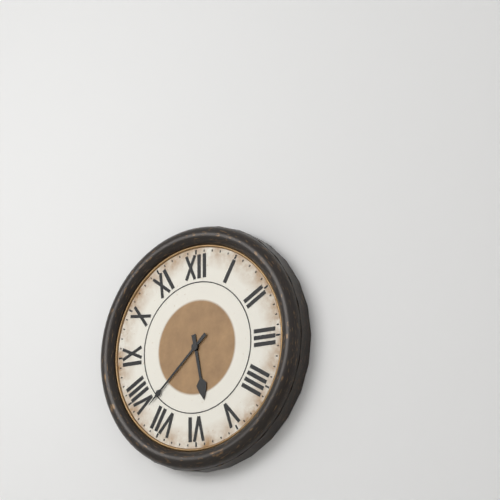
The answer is 5 h 38 min
